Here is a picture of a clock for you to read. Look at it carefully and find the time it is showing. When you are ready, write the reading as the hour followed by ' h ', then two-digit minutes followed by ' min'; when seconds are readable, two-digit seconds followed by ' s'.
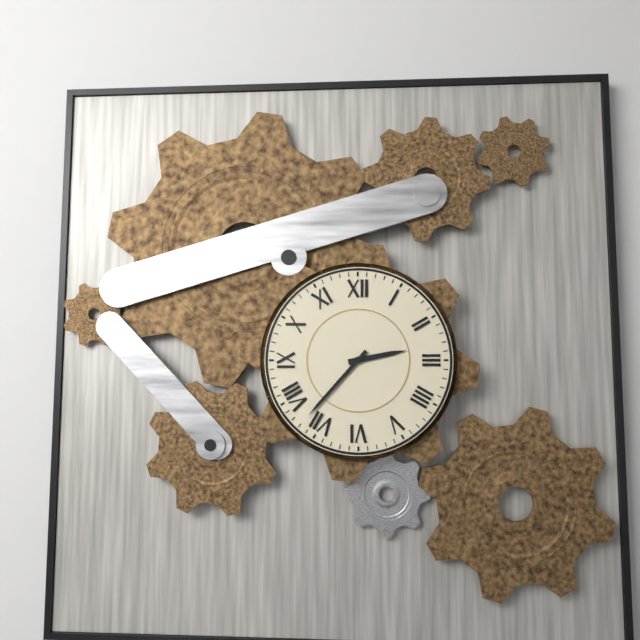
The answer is 2 h 37 min
